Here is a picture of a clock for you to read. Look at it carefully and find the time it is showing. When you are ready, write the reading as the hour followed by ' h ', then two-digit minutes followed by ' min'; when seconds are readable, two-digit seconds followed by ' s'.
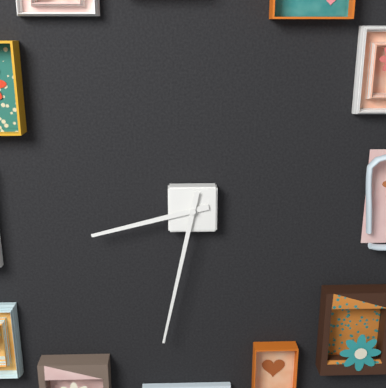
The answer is 8 h 32 min
